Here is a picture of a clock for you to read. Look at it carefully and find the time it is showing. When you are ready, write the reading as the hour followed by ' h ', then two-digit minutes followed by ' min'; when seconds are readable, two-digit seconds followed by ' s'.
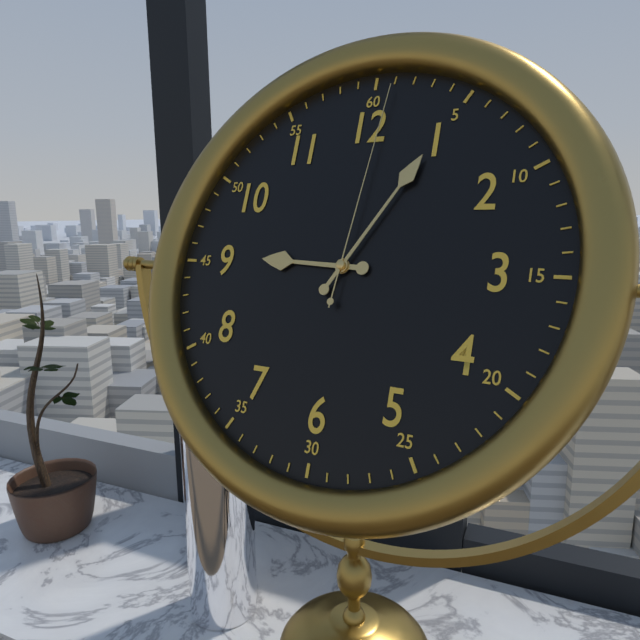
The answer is 9 h 05 min 01 s
